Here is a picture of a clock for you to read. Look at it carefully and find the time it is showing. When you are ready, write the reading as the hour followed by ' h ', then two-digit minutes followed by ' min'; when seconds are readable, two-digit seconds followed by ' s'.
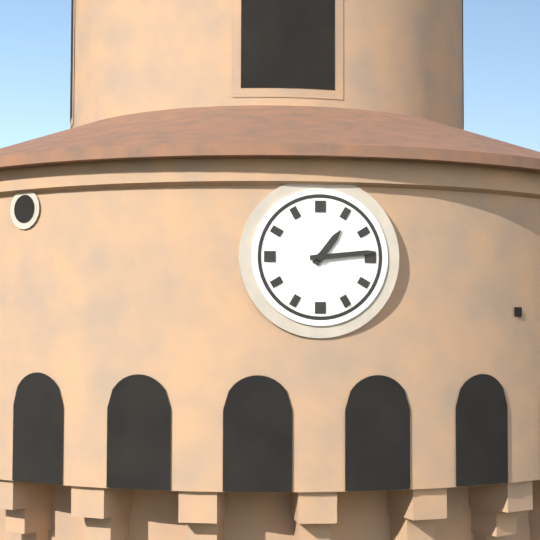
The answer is 1 h 14 min
